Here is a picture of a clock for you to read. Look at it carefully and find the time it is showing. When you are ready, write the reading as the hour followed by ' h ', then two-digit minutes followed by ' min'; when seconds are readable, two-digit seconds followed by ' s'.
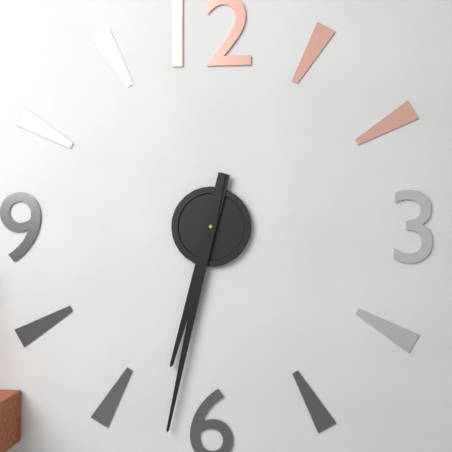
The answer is 6 h 32 min
